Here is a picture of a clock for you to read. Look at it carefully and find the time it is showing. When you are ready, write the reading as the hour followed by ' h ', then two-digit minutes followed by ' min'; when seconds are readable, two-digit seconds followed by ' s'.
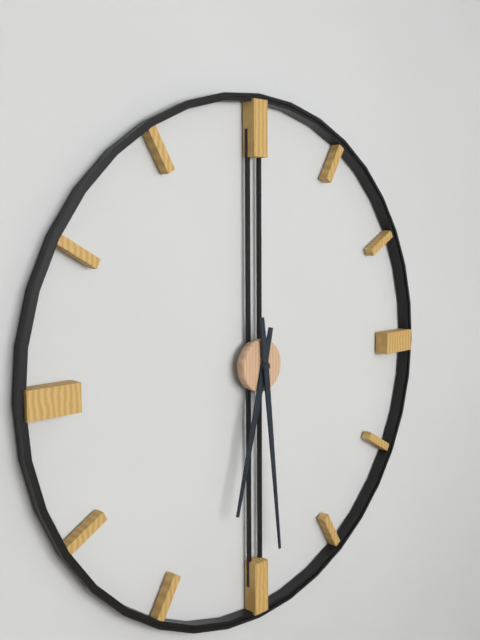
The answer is 6 h 29 min
